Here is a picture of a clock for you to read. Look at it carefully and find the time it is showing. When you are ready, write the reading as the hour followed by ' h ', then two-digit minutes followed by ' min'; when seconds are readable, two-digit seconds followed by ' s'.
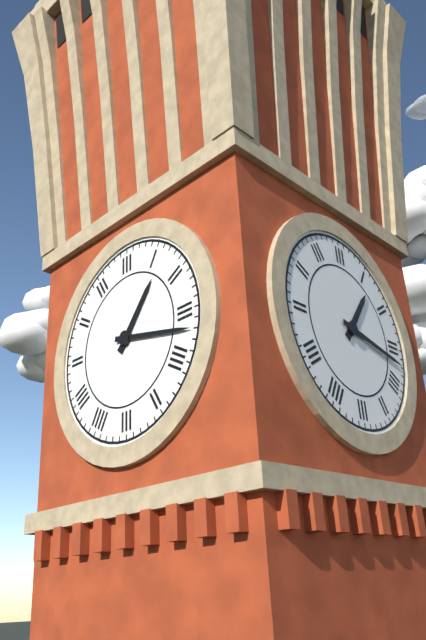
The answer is 1 h 17 min
